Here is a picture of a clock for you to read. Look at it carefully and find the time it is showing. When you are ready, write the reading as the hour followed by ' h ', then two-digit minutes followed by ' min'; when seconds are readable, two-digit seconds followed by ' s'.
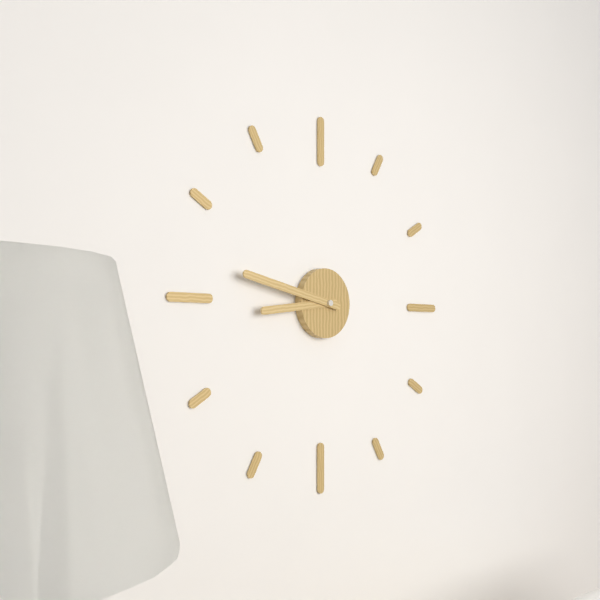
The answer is 8 h 47 min
